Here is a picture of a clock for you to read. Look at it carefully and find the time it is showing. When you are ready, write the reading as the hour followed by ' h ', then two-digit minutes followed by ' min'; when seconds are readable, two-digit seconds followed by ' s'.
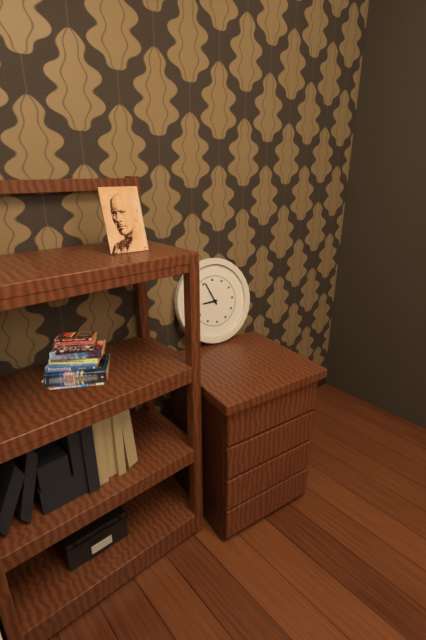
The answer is 8 h 56 min
